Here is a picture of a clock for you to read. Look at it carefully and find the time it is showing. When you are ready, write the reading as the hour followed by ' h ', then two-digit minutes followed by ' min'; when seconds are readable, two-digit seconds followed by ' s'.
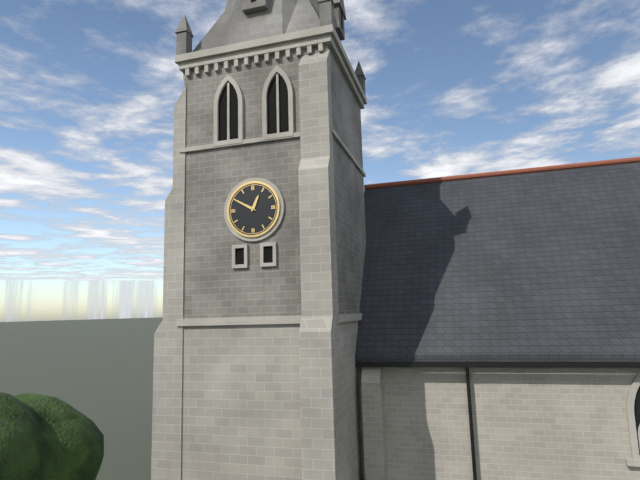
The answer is 12 h 50 min
